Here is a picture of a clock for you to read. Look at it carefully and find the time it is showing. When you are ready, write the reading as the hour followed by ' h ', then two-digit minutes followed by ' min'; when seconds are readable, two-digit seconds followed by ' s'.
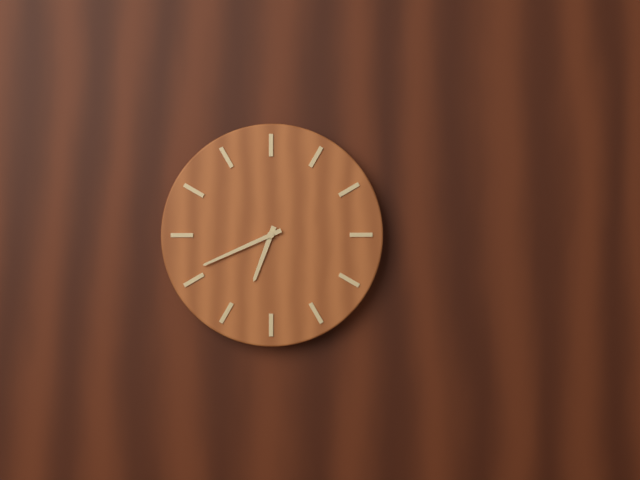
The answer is 6 h 41 min
